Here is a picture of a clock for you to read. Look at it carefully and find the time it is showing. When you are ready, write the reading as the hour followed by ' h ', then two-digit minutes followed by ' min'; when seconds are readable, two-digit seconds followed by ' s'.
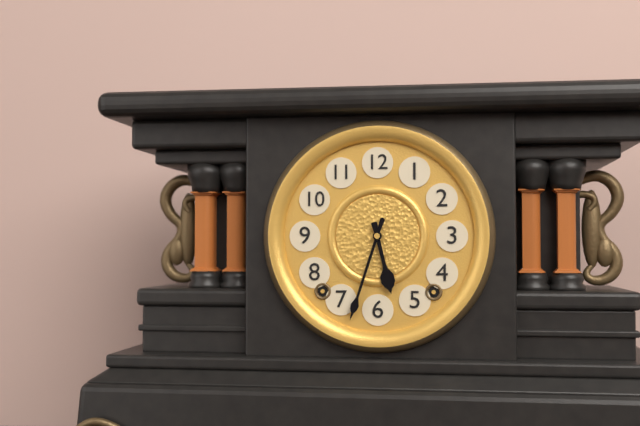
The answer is 5 h 33 min
